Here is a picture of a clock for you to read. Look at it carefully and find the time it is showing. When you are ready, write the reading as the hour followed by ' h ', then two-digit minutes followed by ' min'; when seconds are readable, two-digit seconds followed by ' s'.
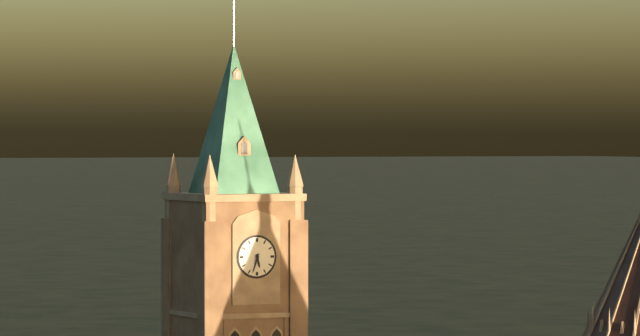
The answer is 5 h 33 min
